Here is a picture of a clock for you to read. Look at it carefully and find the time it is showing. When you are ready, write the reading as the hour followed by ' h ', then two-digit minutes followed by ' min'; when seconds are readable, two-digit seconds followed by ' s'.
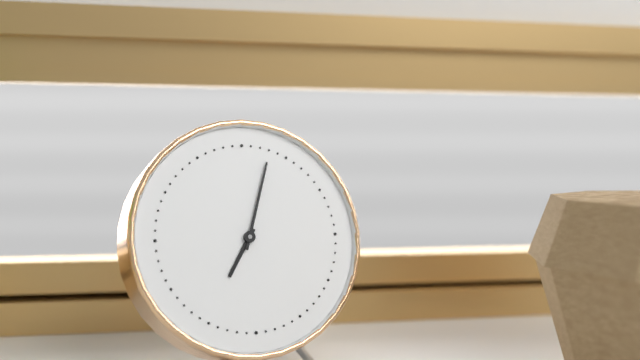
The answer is 7 h 03 min
